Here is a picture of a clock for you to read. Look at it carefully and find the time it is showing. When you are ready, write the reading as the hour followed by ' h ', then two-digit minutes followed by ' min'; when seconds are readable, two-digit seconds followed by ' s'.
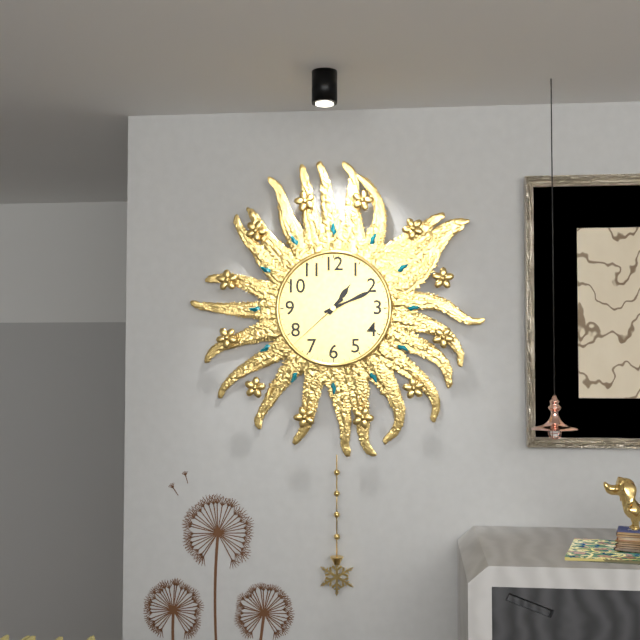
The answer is 1 h 11 min 38 s
